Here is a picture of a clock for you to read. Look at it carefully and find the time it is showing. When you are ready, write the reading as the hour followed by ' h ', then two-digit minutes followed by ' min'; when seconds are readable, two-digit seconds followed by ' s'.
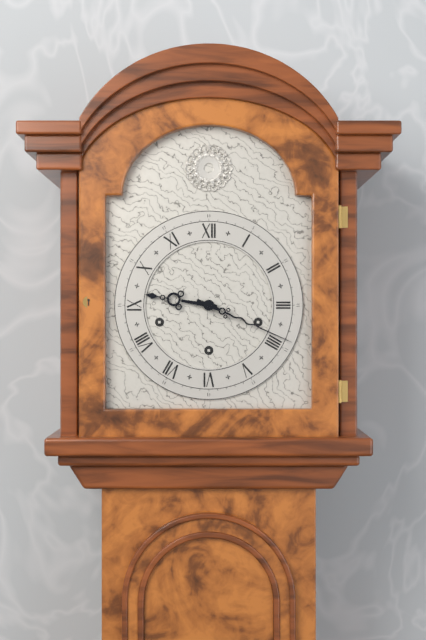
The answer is 9 h 19 min
